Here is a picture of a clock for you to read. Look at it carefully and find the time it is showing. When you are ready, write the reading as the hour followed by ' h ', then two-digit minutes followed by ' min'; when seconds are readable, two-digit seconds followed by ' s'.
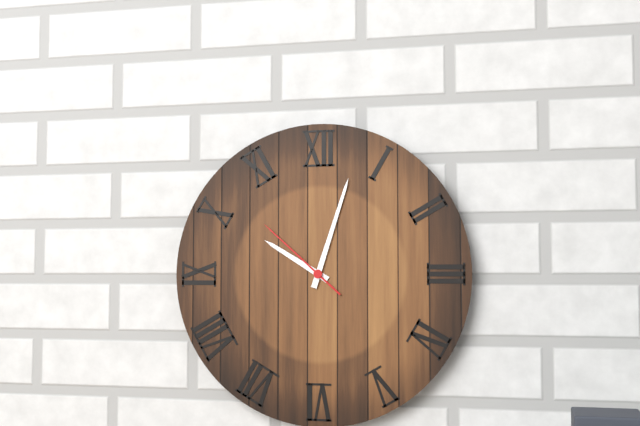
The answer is 10 h 03 min 52 s
